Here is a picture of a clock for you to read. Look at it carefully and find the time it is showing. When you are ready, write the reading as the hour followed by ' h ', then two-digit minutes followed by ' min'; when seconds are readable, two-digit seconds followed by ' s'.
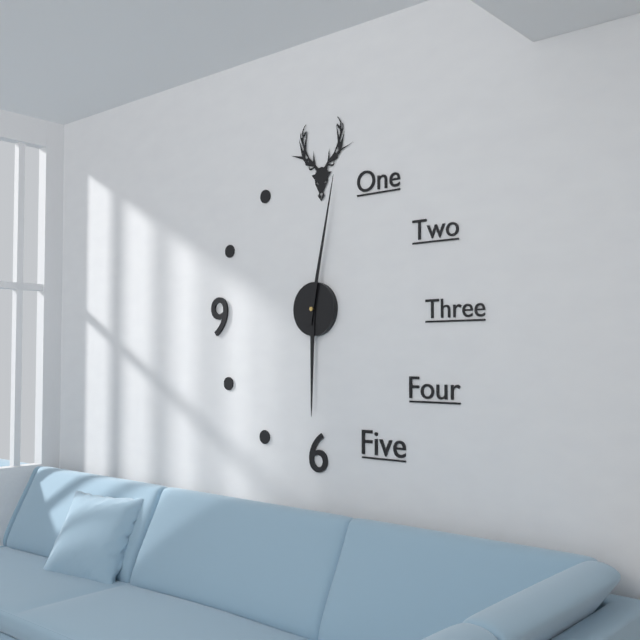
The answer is 6 h 02 min
